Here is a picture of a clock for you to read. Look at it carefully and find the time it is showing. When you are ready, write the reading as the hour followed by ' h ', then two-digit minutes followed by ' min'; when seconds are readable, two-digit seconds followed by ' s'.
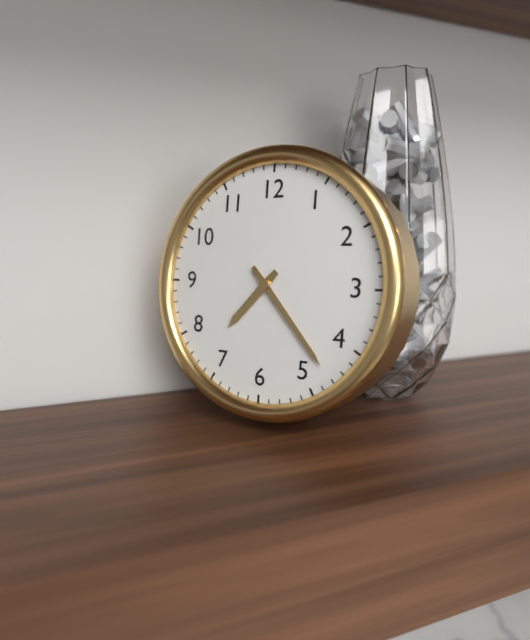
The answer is 7 h 23 min
